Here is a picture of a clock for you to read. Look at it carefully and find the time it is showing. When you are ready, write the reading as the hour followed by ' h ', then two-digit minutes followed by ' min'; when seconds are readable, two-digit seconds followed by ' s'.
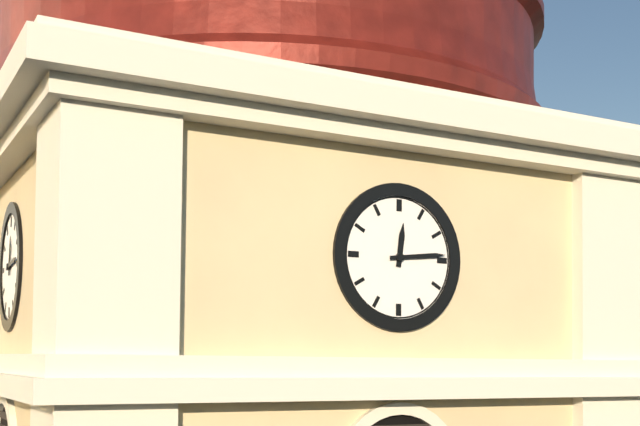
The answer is 12 h 14 min
